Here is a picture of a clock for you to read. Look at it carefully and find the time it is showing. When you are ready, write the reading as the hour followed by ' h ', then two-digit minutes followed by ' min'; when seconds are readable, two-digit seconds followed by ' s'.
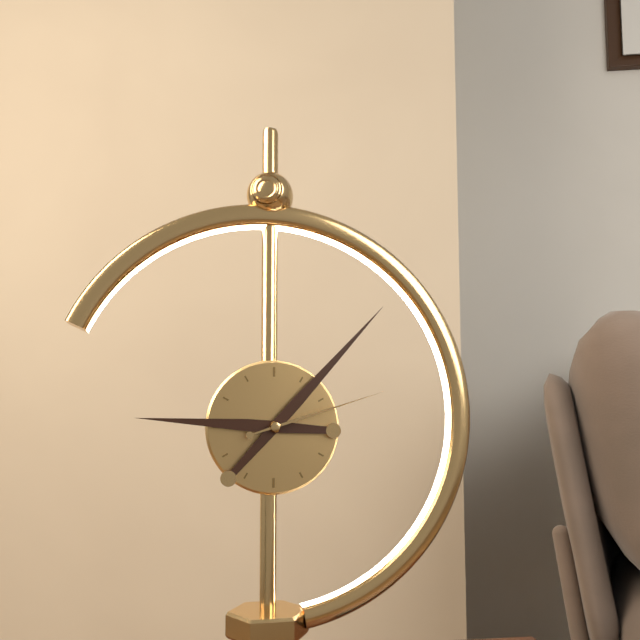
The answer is 9 h 07 min 12 s
